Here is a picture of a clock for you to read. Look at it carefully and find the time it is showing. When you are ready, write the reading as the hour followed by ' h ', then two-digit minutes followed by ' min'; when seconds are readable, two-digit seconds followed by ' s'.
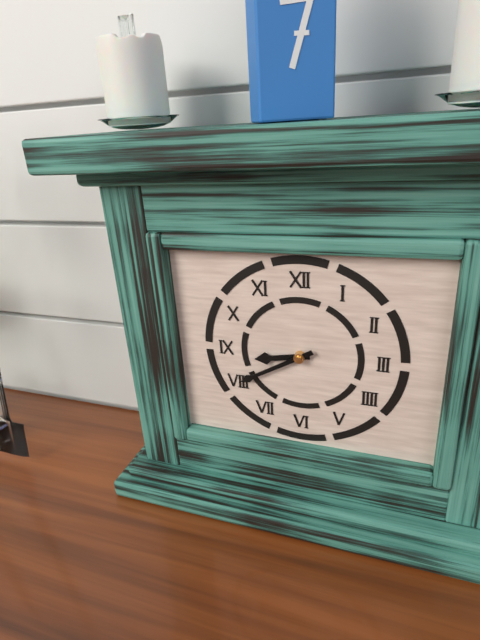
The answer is 8 h 40 min
